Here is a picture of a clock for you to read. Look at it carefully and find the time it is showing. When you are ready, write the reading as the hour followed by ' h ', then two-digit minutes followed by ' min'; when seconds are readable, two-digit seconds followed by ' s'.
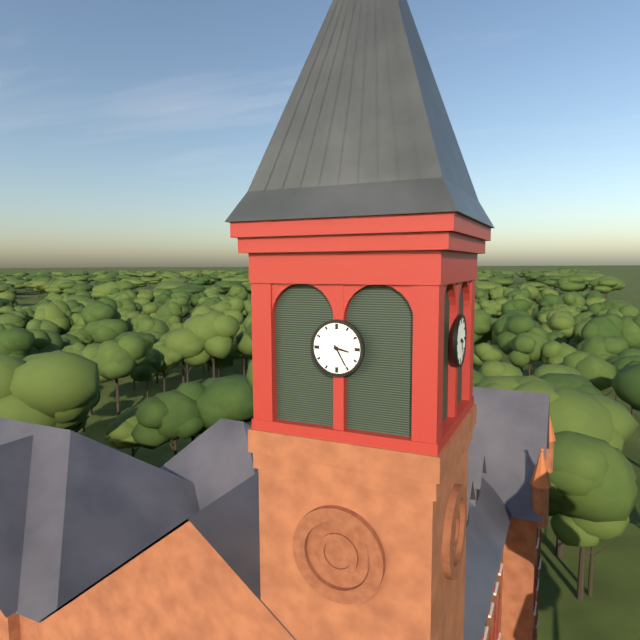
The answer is 3 h 25 min
